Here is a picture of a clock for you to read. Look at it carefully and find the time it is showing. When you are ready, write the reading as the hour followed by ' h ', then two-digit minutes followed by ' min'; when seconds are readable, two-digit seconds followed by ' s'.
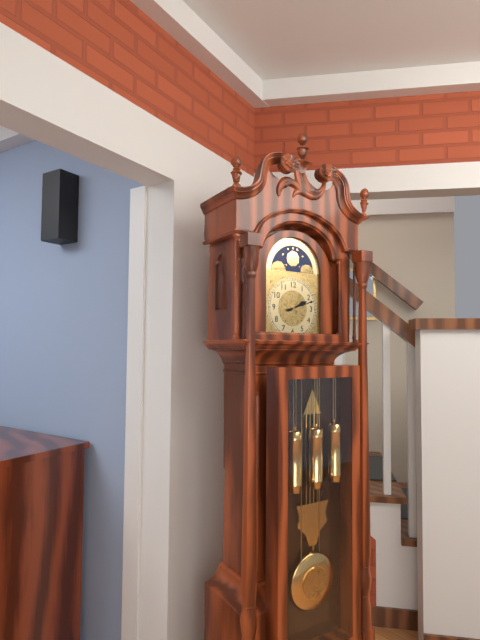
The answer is 2 h 12 min
